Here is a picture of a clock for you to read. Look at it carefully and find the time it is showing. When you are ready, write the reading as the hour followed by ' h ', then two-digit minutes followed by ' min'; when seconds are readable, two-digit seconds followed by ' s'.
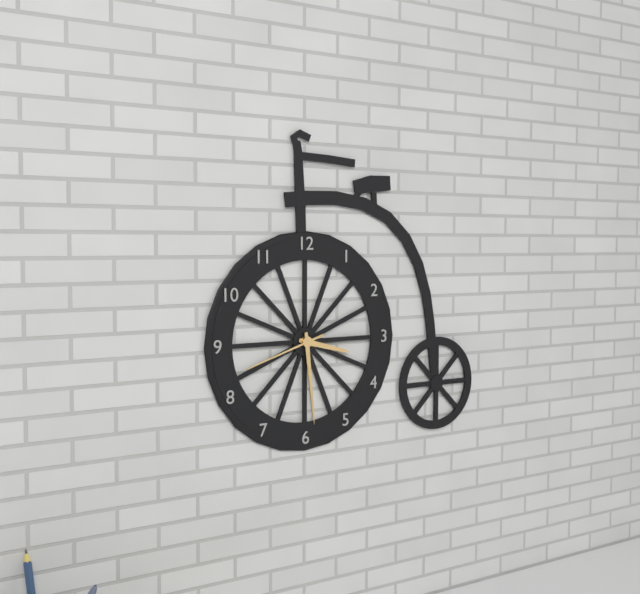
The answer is 3 h 29 min 42 s
